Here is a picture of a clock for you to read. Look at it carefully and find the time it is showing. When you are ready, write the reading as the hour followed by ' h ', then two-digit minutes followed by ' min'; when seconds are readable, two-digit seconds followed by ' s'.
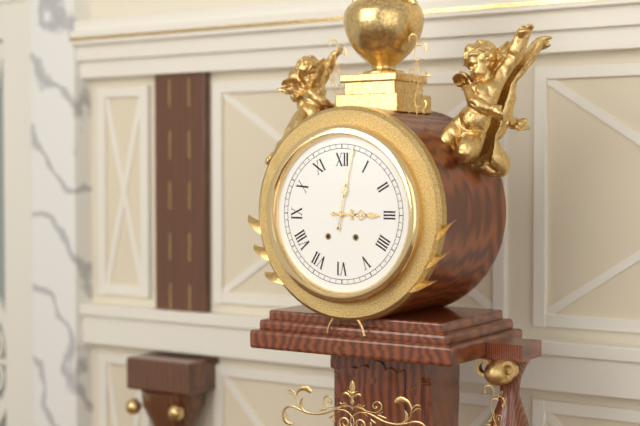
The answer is 3 h 02 min
